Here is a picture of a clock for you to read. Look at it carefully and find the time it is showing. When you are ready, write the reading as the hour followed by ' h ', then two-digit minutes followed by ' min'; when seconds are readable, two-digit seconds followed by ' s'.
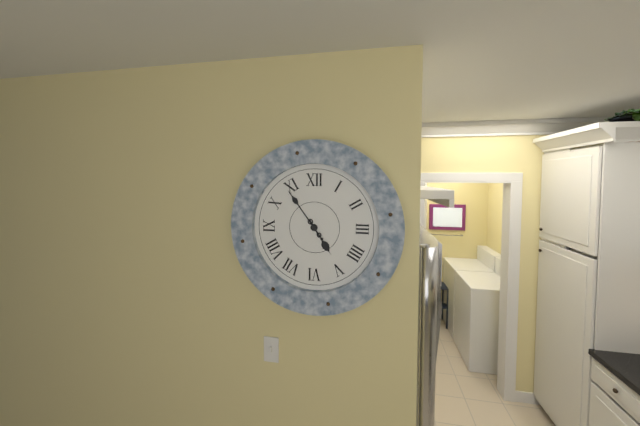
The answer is 4 h 54 min
